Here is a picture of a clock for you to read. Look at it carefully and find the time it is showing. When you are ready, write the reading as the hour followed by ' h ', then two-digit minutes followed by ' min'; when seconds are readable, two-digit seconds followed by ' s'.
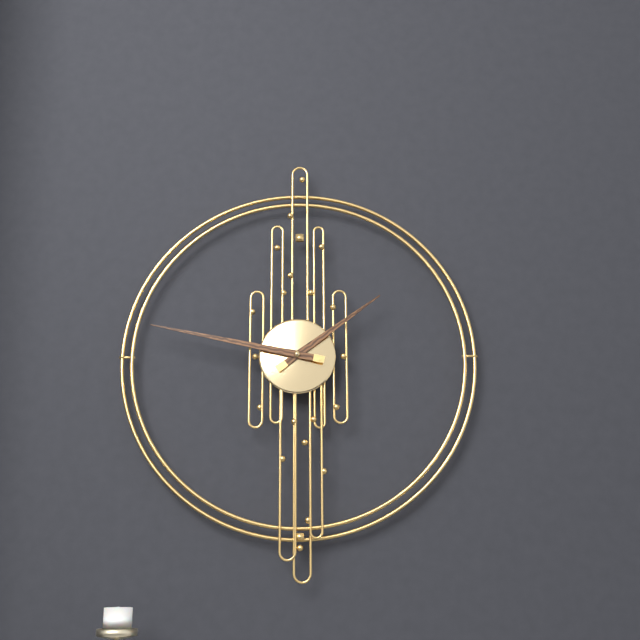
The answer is 1 h 47 min
